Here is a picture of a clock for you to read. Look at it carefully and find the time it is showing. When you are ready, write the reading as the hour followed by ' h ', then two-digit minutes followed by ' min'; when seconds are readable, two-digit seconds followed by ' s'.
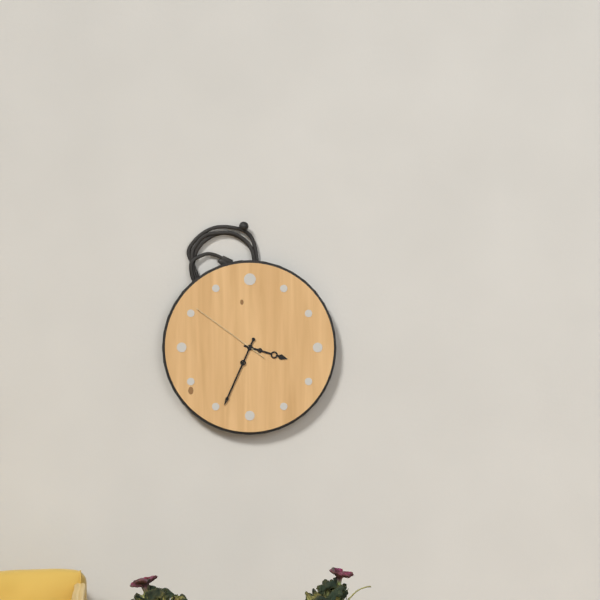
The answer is 3 h 34 min 51 s
